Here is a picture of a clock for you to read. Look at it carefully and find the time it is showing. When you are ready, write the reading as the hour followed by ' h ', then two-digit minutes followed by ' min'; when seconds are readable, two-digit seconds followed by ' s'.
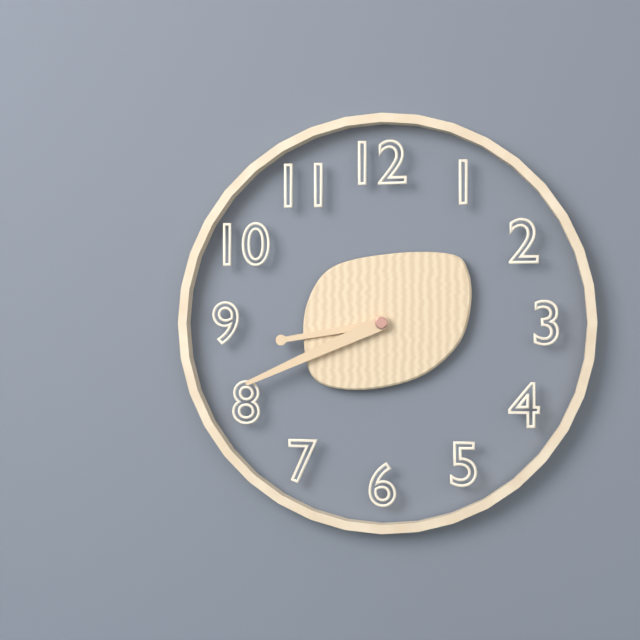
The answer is 8 h 41 min
